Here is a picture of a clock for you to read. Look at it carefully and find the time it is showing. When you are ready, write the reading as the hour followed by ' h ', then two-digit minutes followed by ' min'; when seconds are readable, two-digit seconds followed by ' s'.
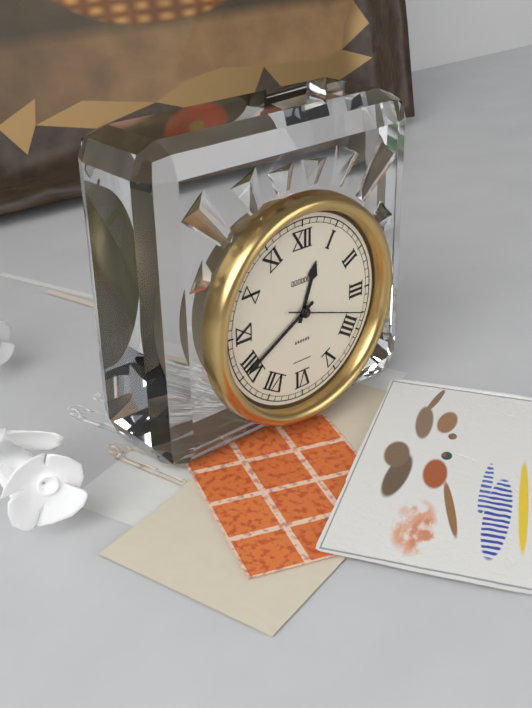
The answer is 12 h 40 min 18 s
